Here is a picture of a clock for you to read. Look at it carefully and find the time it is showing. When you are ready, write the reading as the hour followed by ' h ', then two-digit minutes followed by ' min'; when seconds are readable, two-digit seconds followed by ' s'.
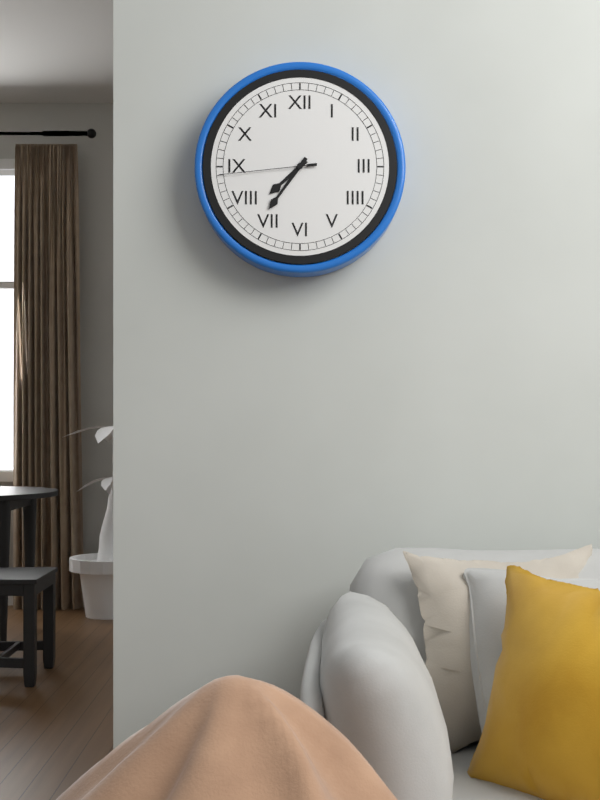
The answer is 7 h 36 min 44 s
